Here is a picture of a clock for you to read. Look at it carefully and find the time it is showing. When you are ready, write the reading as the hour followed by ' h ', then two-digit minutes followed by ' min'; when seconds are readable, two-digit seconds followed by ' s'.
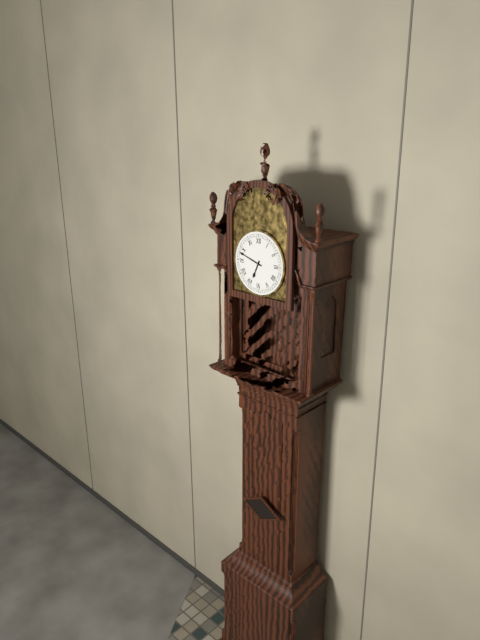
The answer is 6 h 48 min
